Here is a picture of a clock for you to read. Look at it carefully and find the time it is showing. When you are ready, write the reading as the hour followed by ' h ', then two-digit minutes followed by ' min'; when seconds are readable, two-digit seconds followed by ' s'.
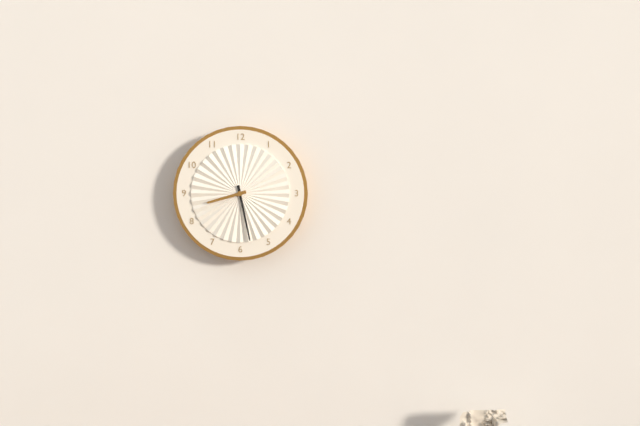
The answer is 8 h 28 min
